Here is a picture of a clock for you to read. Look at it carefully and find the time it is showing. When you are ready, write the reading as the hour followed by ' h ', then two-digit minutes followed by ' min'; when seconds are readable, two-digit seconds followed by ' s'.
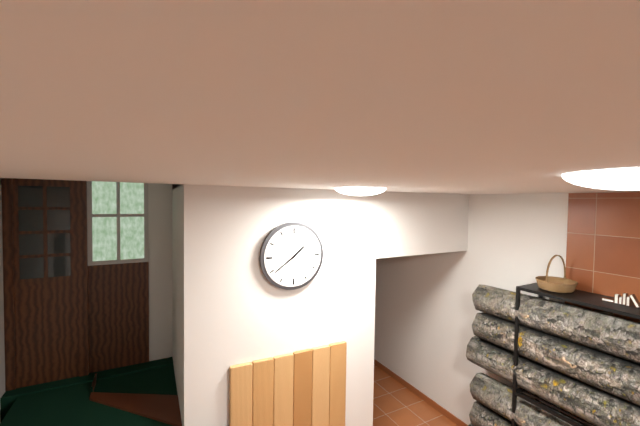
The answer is 1 h 39 min
